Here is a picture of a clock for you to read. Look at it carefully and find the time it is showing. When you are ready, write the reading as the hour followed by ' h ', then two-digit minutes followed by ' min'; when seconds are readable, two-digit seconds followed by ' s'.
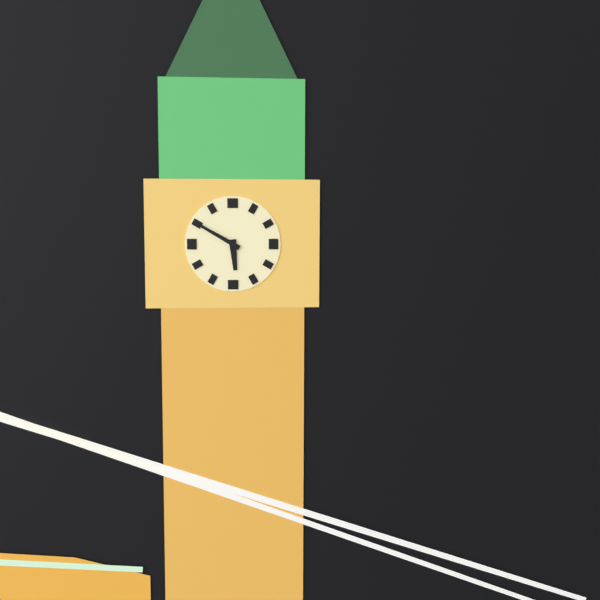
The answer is 5 h 50 min
